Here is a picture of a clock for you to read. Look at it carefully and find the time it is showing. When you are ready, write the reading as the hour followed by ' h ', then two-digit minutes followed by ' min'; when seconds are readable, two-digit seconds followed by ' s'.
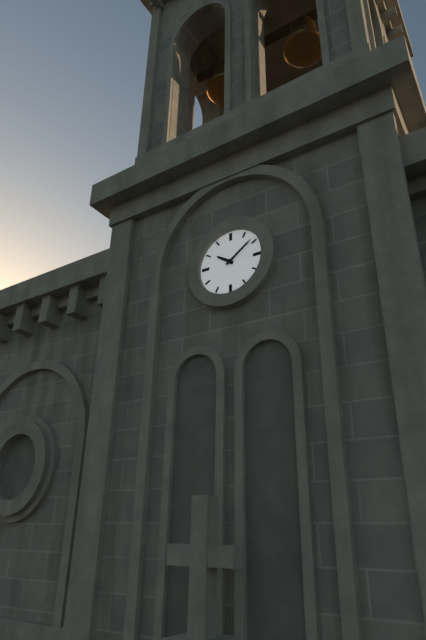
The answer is 10 h 09 min
